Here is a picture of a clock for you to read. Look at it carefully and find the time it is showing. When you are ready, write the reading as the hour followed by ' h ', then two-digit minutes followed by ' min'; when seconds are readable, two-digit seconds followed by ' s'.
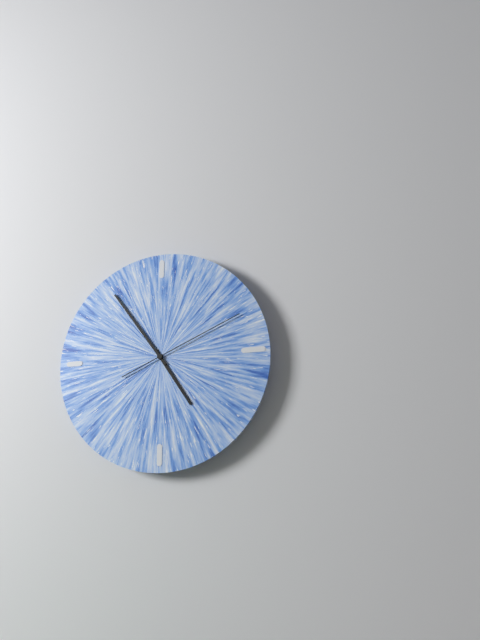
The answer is 4 h 54 min 11 s
